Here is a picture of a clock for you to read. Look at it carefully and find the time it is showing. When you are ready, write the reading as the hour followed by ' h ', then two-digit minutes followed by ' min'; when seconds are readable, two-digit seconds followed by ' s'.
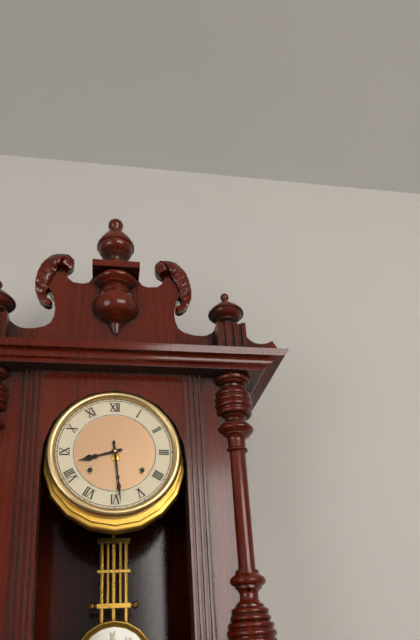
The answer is 8 h 29 min
